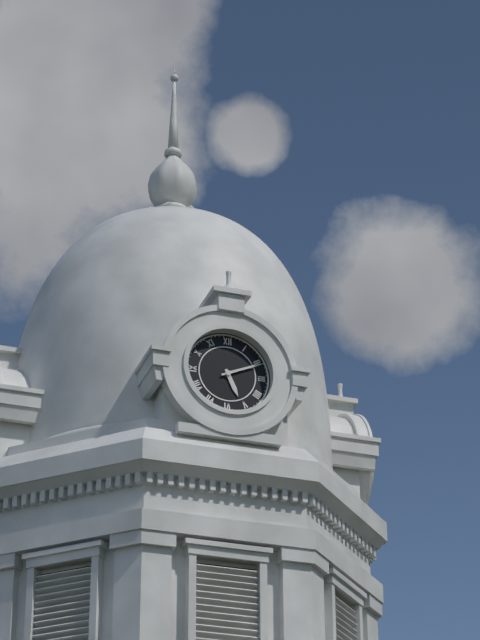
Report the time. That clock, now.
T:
5:11
